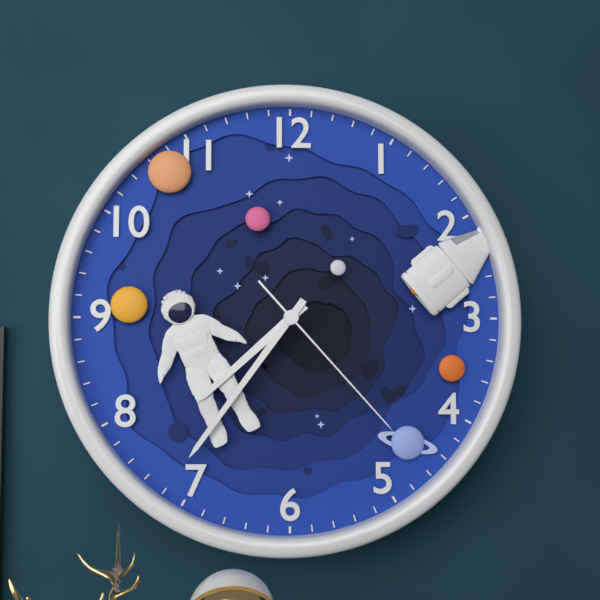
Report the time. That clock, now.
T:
7:36:23
